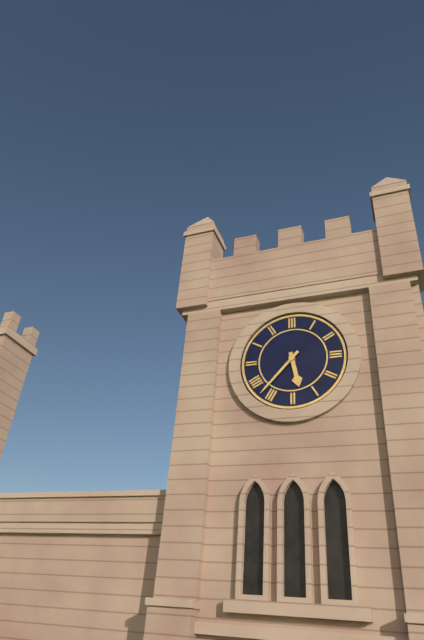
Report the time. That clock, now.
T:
5:37
